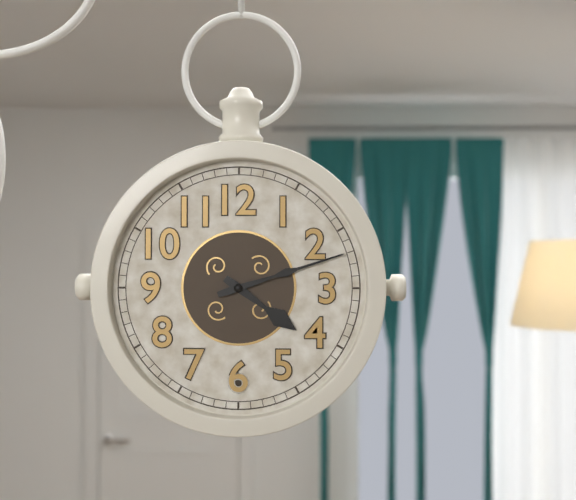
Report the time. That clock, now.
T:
4:12
